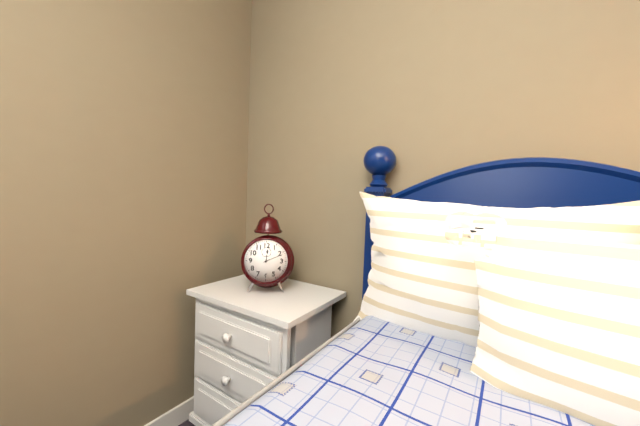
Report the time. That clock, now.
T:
12:11
